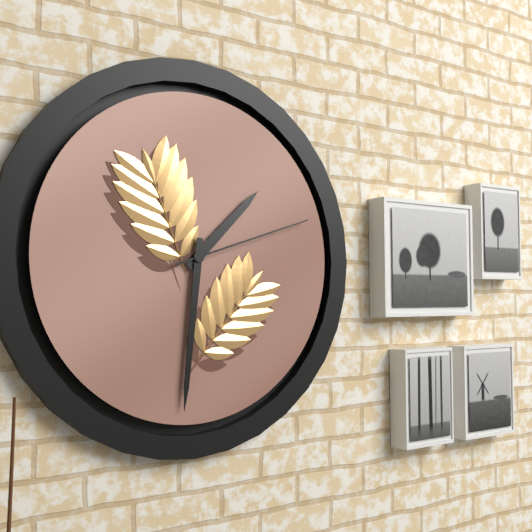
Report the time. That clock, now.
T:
1:31:12
